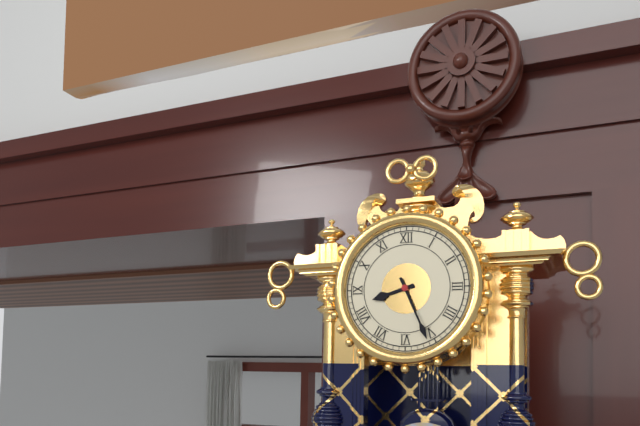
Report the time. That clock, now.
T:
8:26
